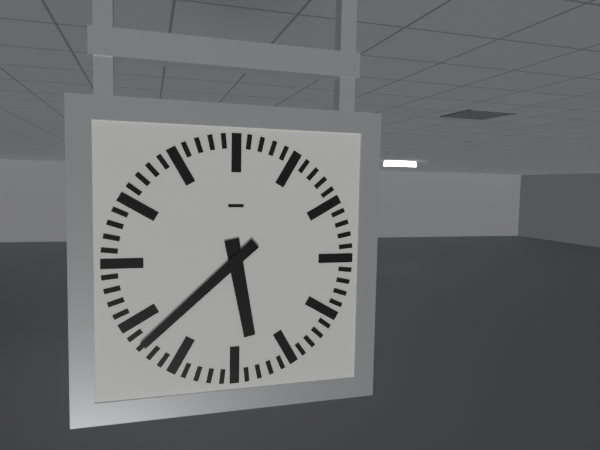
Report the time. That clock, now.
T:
5:38
